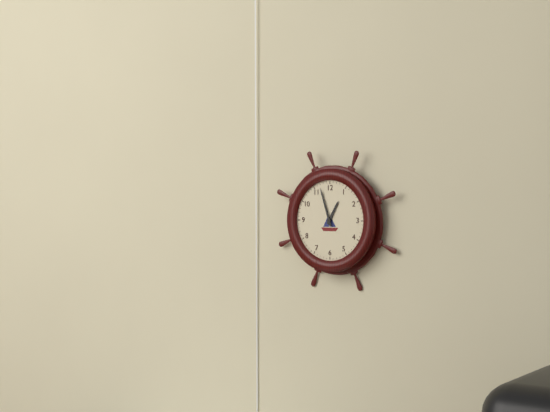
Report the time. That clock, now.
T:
12:57
